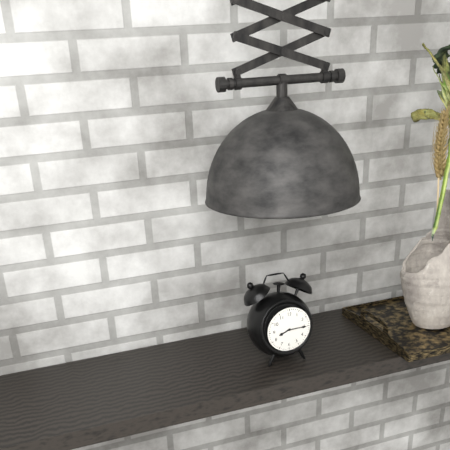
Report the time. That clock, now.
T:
8:15
